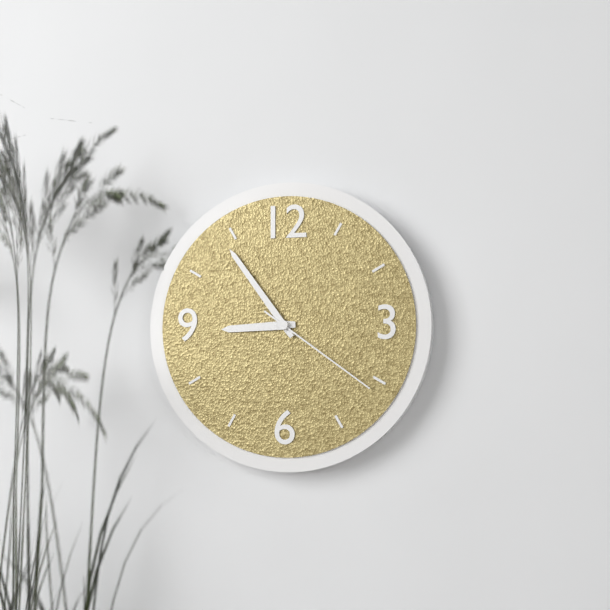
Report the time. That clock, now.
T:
8:54:21
